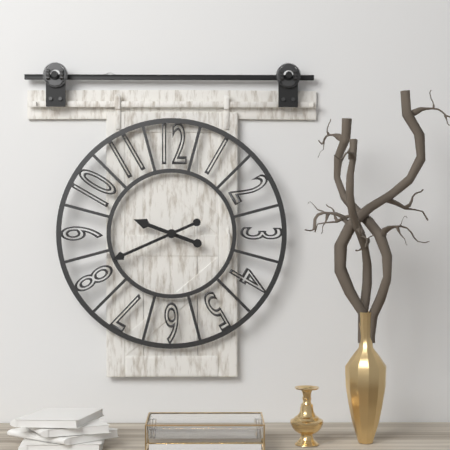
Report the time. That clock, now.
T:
9:41
